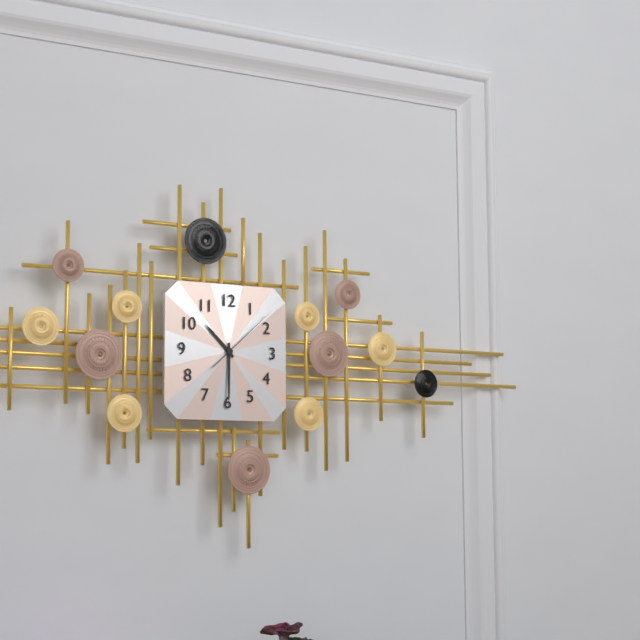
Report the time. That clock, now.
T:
10:30:08
